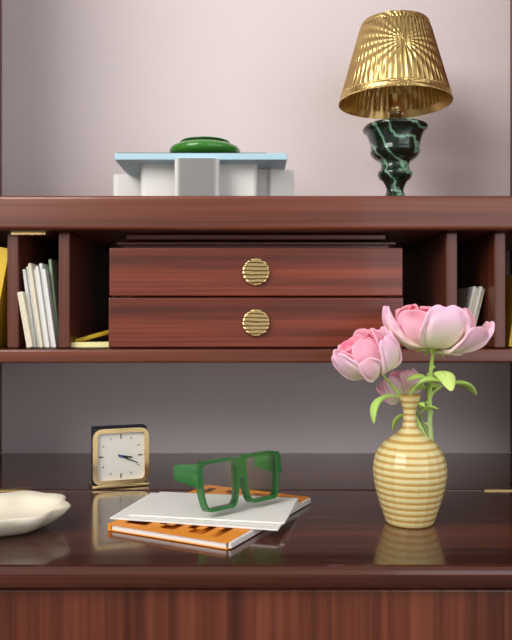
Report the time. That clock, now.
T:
3:19
